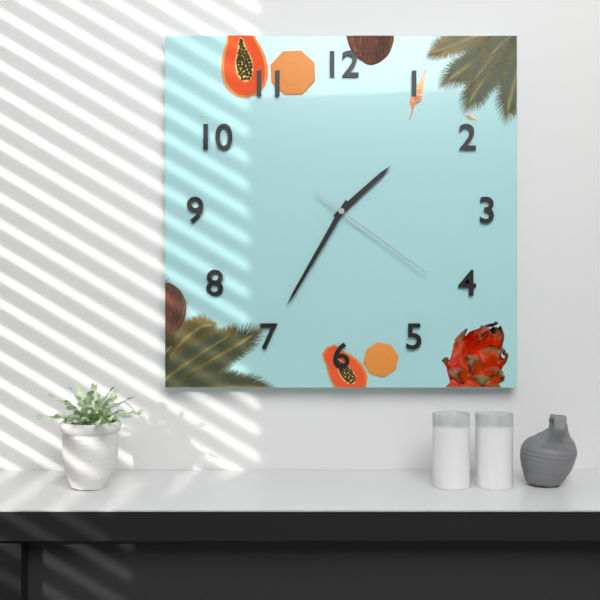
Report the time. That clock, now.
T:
1:35:21
